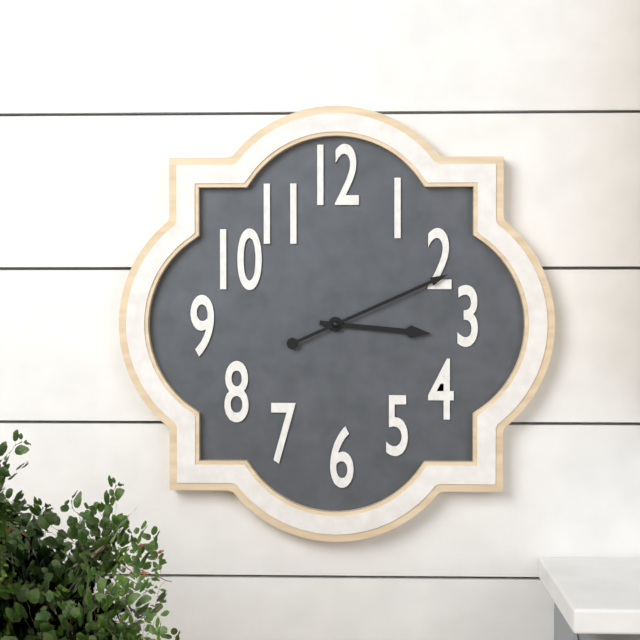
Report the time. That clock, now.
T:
3:11
